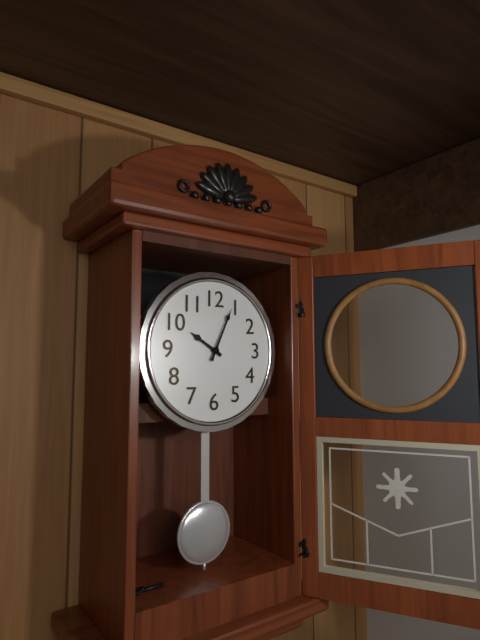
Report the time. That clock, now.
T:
10:04
